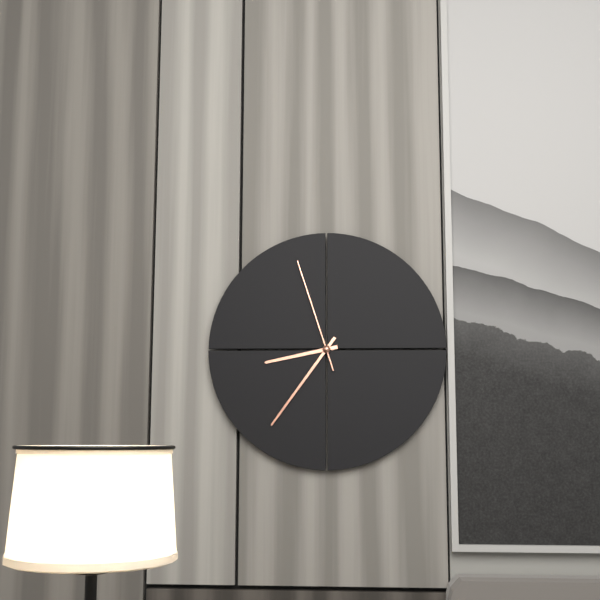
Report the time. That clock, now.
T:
8:36:57
